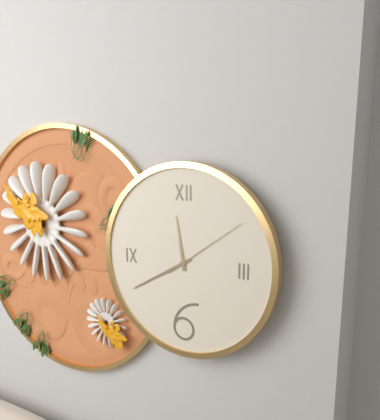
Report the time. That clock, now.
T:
11:40:09
